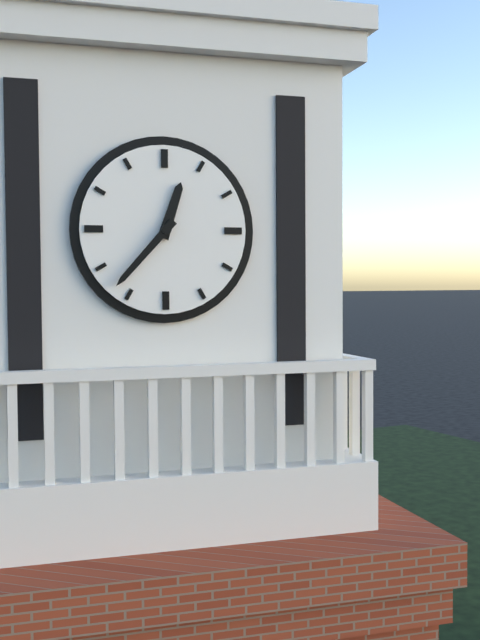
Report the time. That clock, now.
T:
12:37
